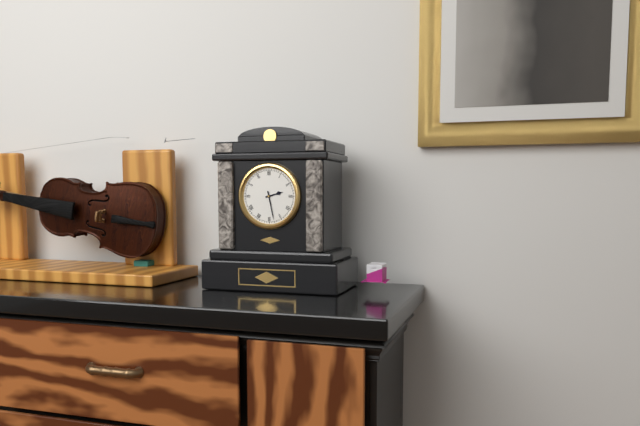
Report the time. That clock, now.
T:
2:28
